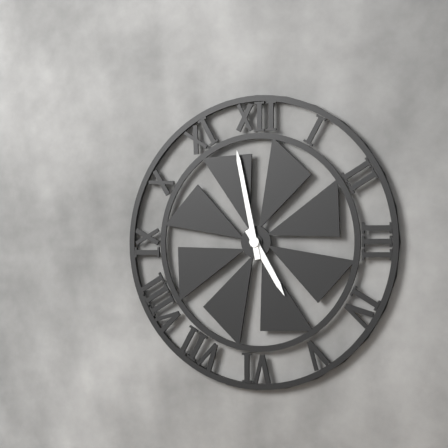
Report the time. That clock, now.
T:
4:58
